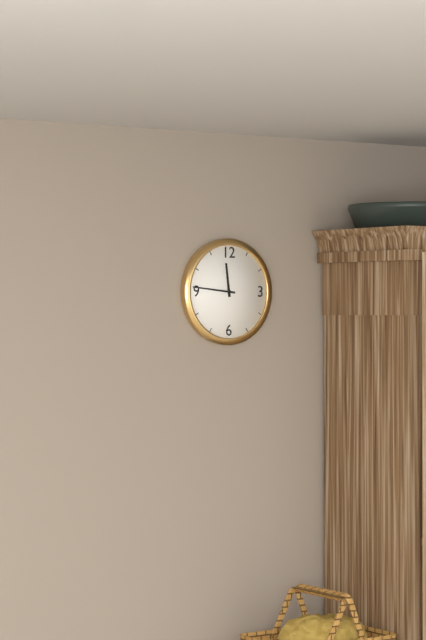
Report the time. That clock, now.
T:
11:46
